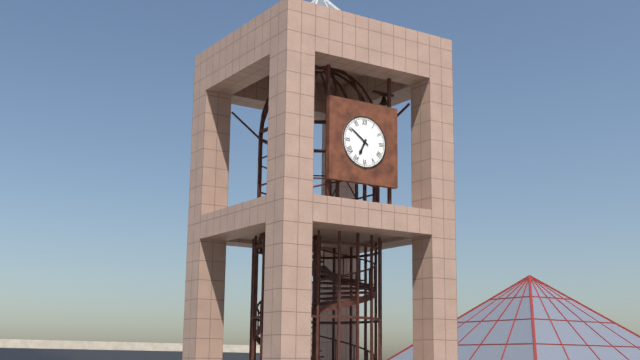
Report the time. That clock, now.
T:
6:51
